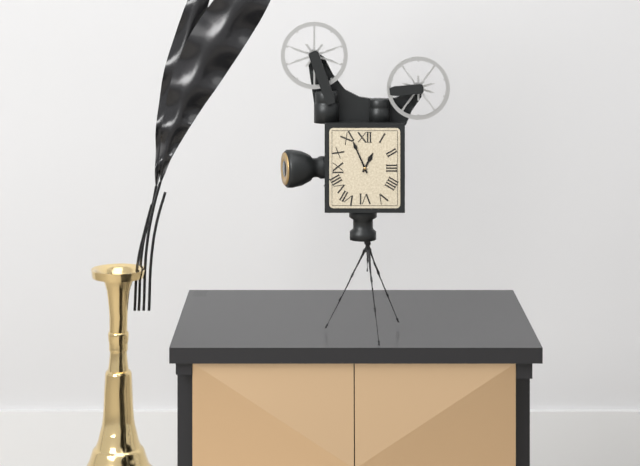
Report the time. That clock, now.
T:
12:56
